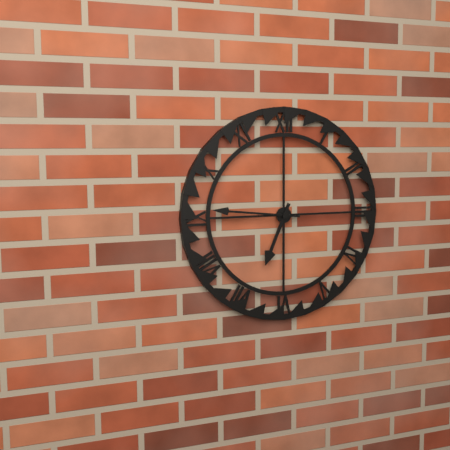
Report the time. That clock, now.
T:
6:46
